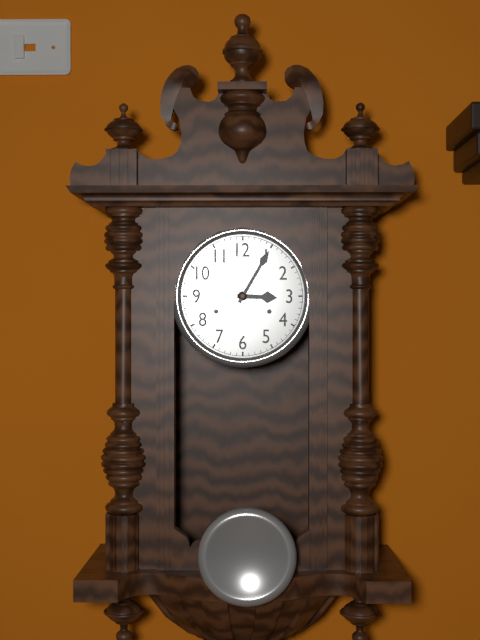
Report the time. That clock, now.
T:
3:05
